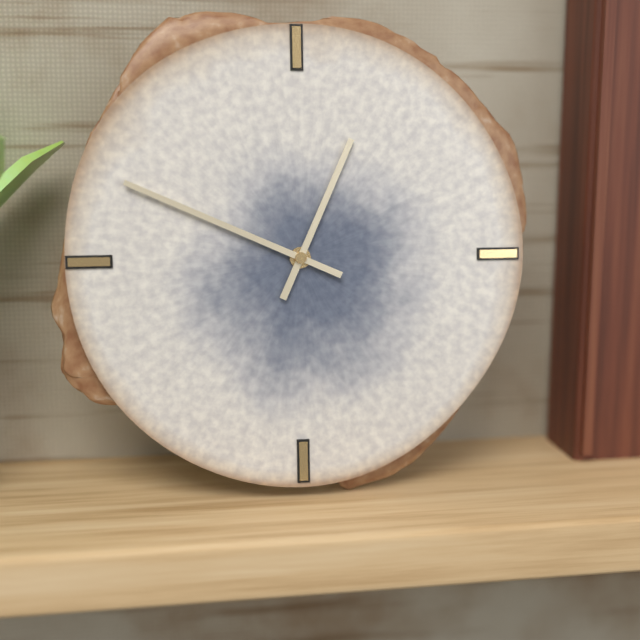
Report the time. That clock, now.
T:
12:49
